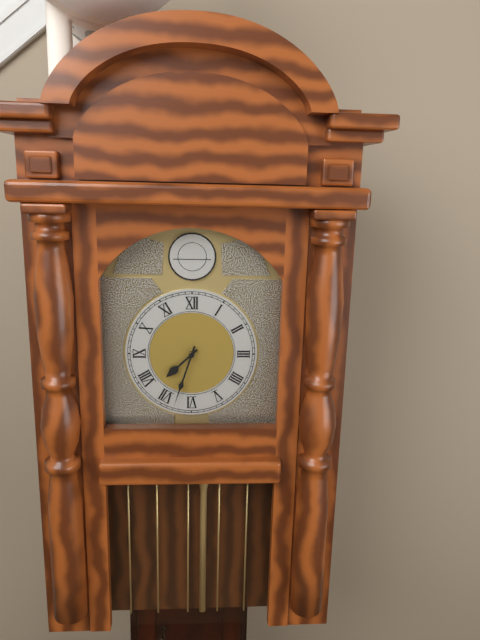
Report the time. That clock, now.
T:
7:33
